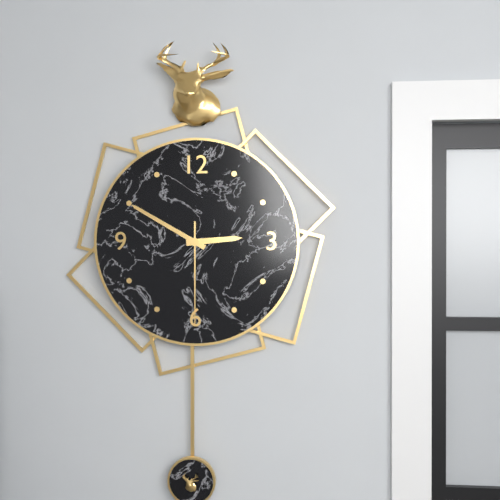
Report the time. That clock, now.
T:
2:50:30
